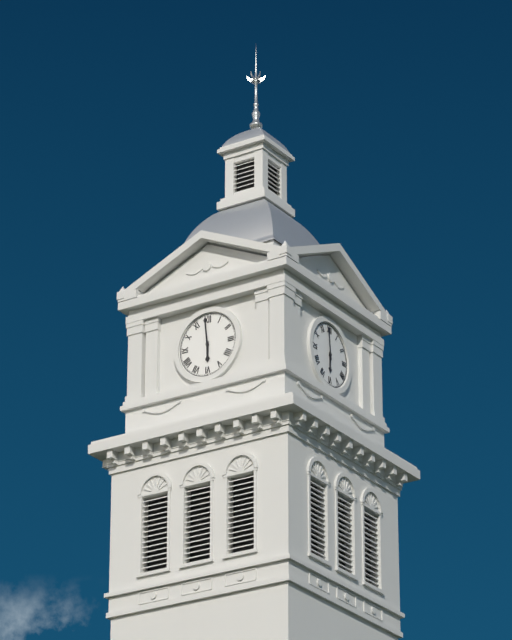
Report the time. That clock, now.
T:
5:59
